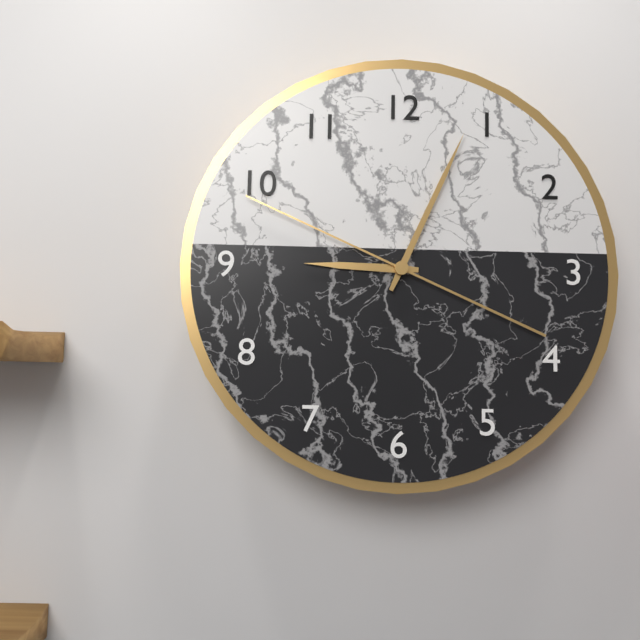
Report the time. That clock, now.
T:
9:04:49
